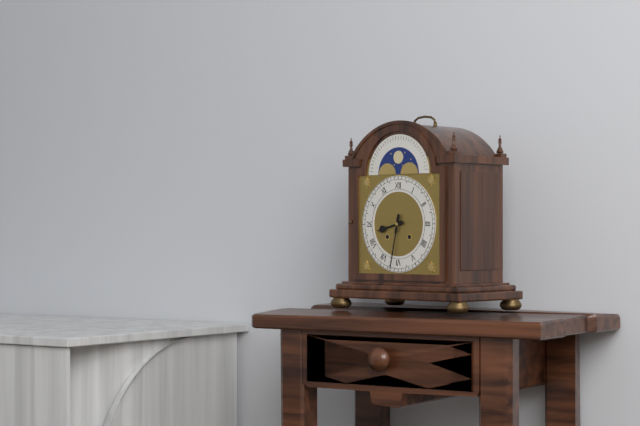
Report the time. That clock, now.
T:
8:32
